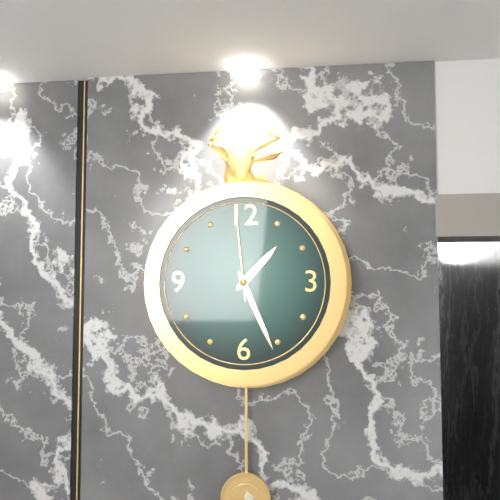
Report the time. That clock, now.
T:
1:26:59
